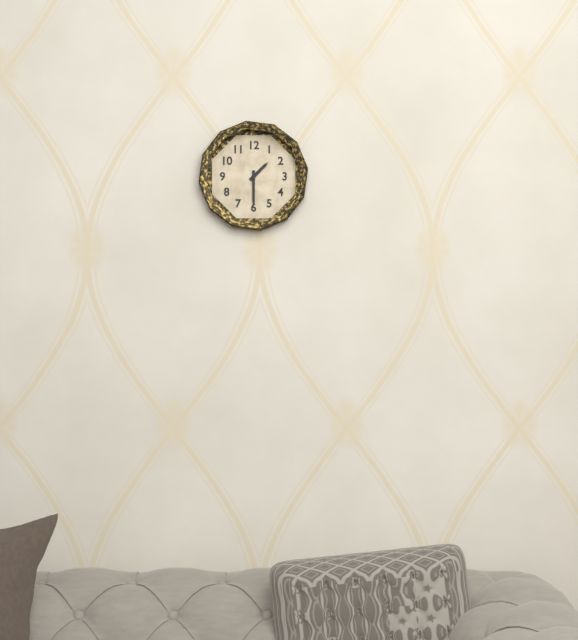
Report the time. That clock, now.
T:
1:30
